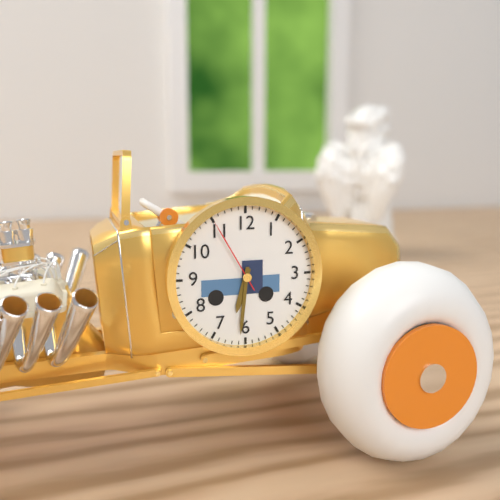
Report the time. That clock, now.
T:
6:31:55
